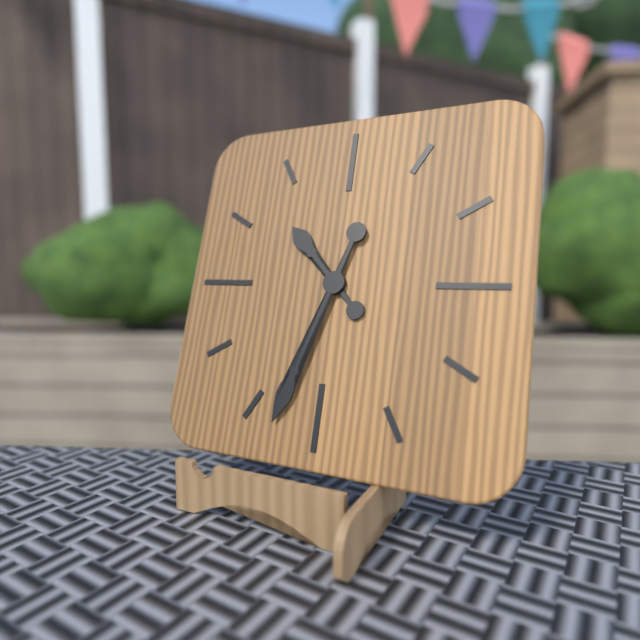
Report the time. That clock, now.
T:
10:33
